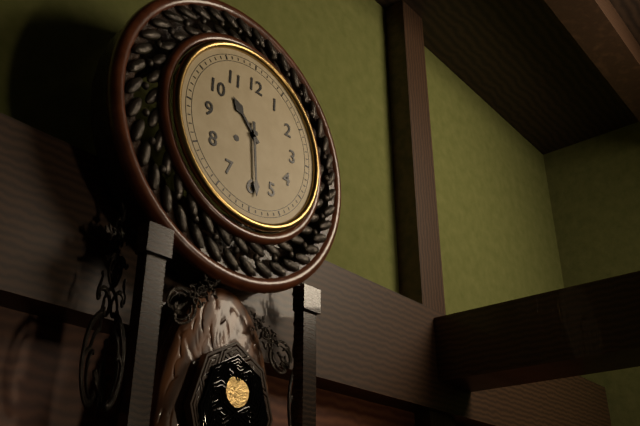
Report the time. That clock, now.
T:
10:29
